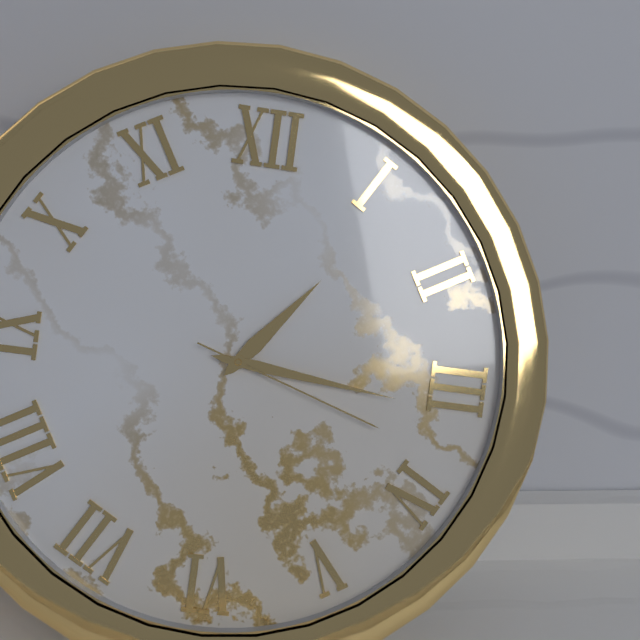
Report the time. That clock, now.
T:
1:16:18
